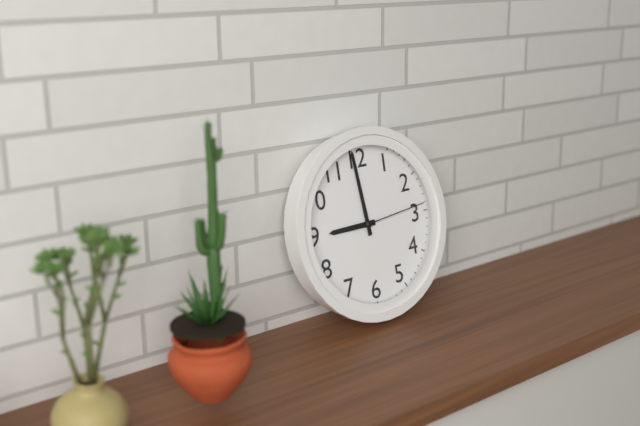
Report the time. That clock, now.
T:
8:59:14
